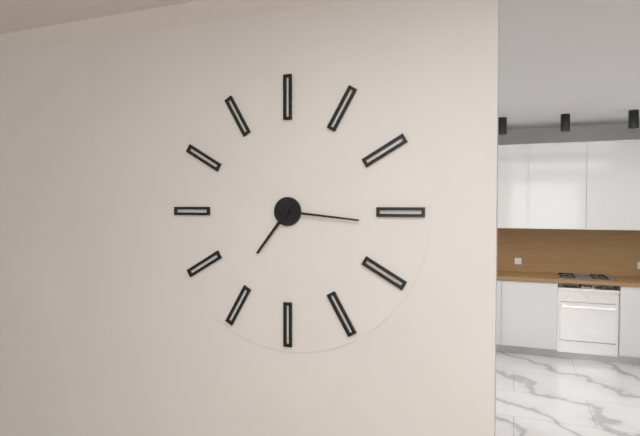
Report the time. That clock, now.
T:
7:16
